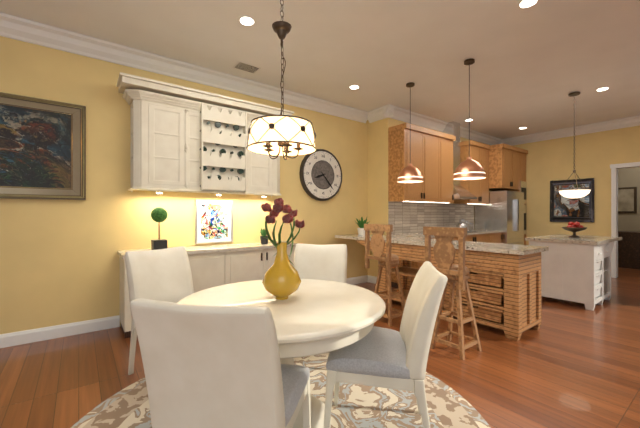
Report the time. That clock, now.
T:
8:23
